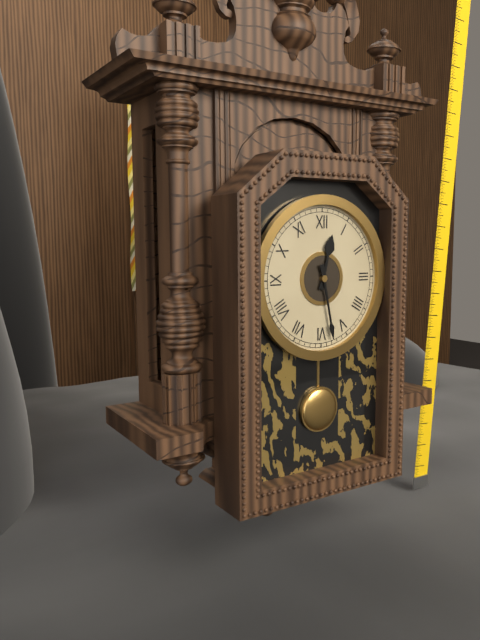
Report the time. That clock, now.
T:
12:28
